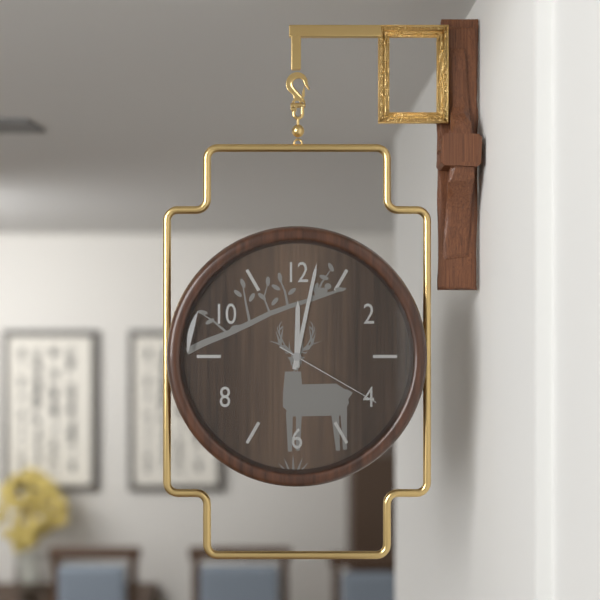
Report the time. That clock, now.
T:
12:02:20
